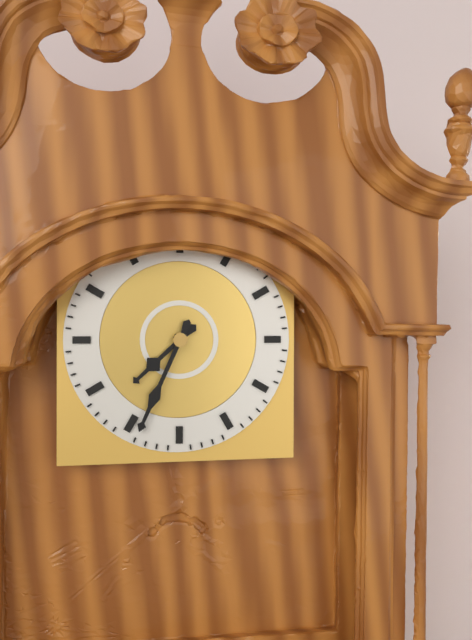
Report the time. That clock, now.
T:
7:34
